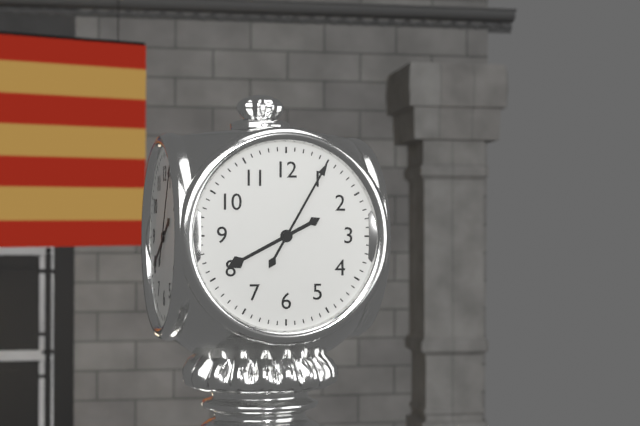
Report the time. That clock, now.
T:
8:05
